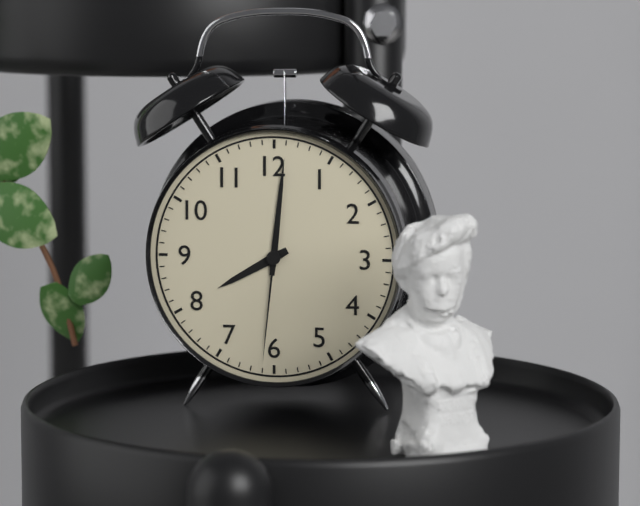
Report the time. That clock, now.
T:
8:01:31
